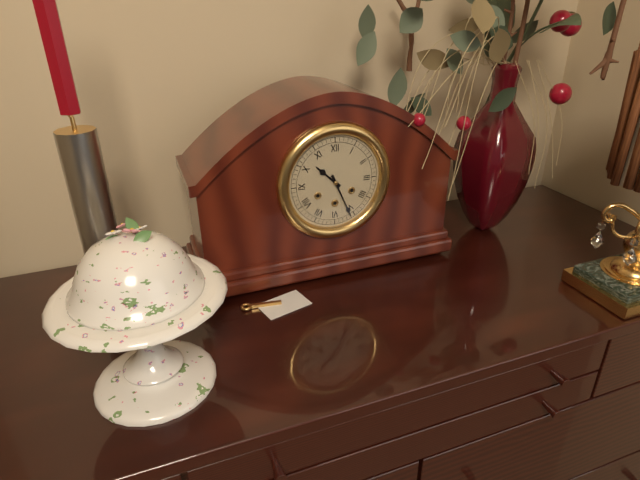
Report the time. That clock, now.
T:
10:26
